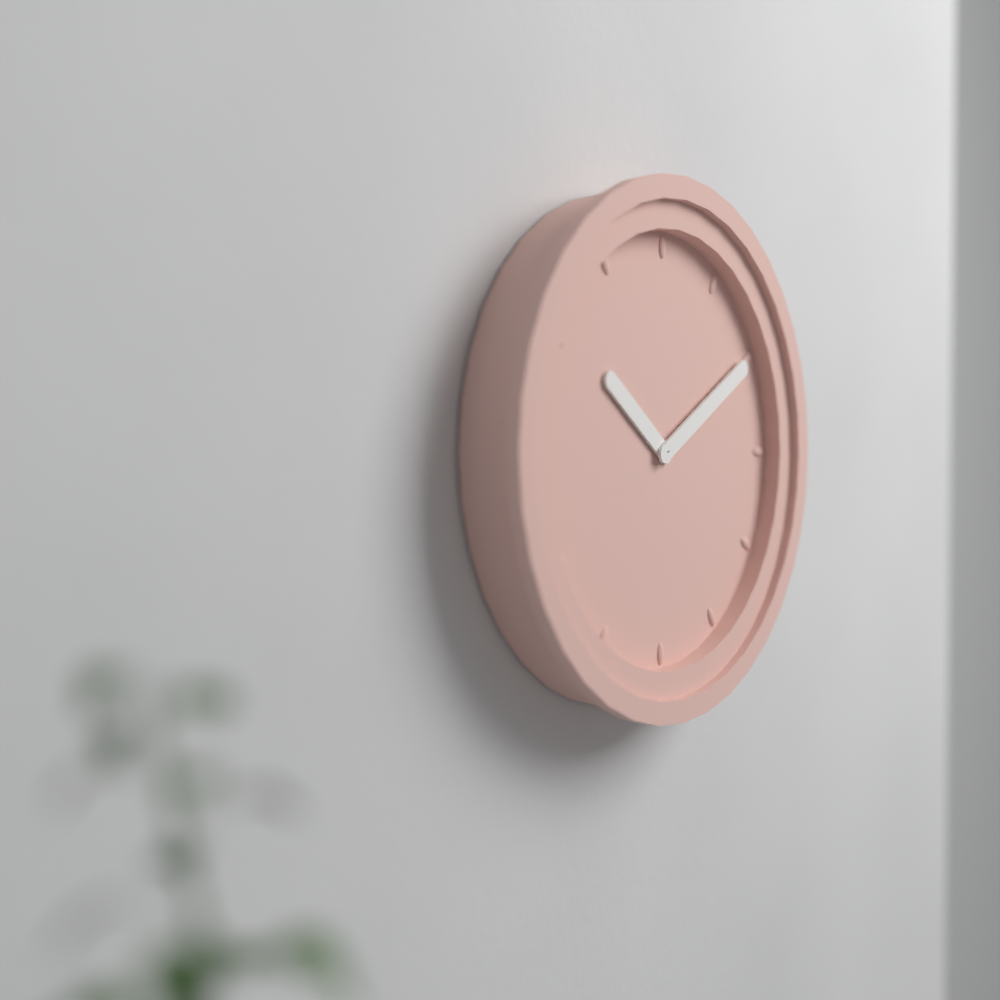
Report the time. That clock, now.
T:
10:10
